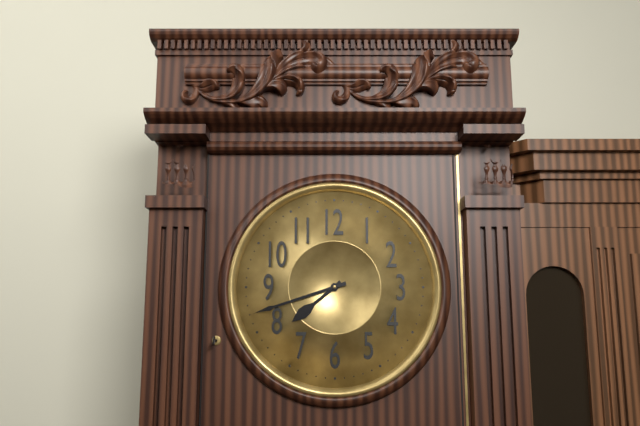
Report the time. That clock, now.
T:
7:42
